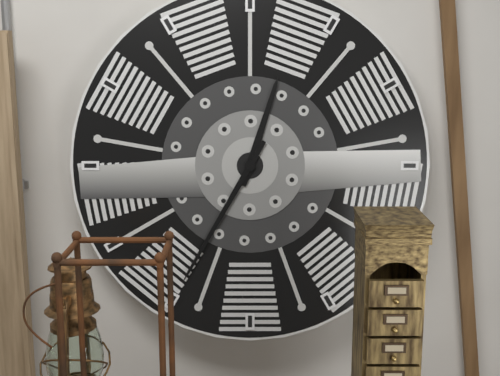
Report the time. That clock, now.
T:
12:35
